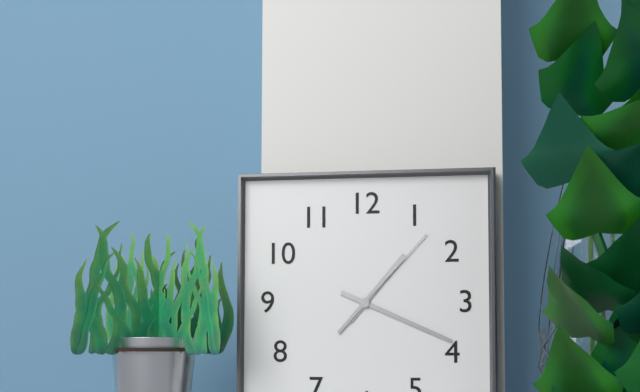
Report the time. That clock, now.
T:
1:19:07
